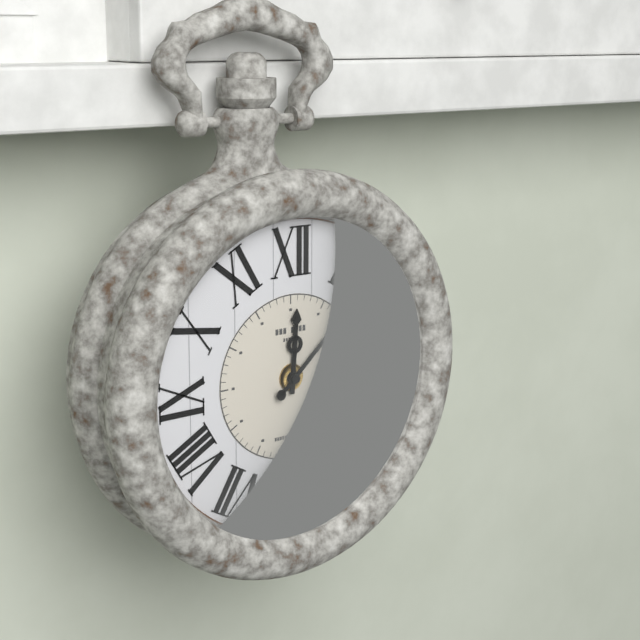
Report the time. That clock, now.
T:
12:08
